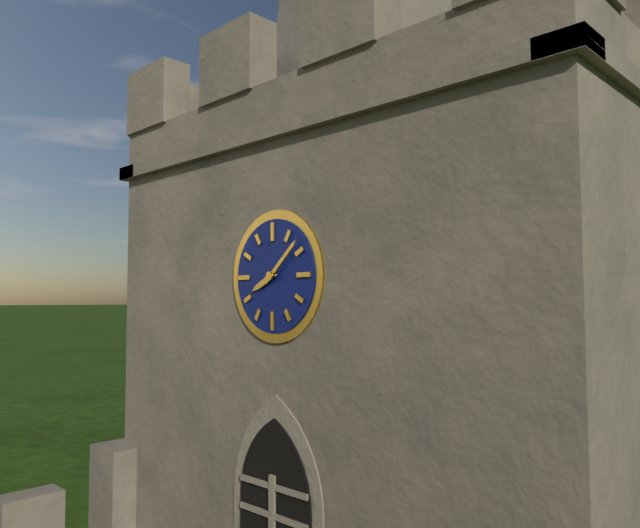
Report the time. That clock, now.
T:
8:08
